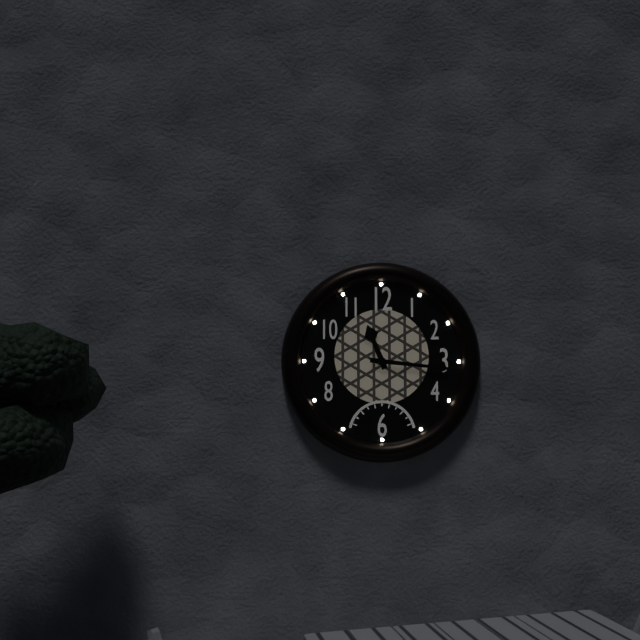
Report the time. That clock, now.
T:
11:16
